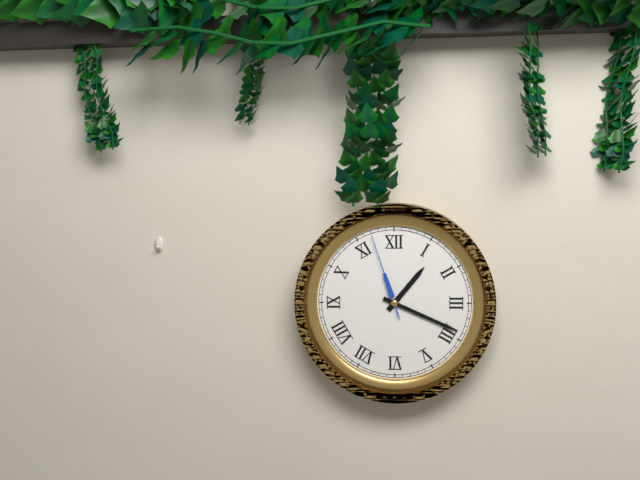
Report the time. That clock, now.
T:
1:19:57
